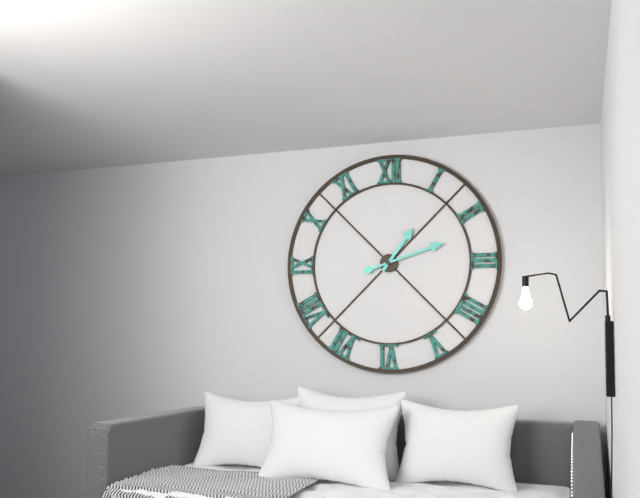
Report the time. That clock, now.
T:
1:12
